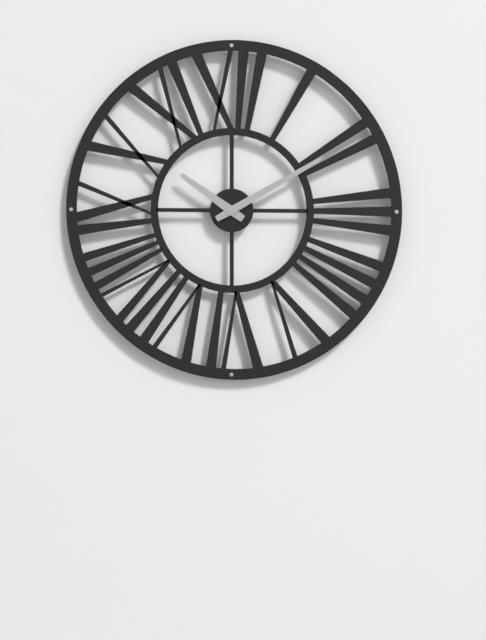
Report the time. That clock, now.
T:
10:10
